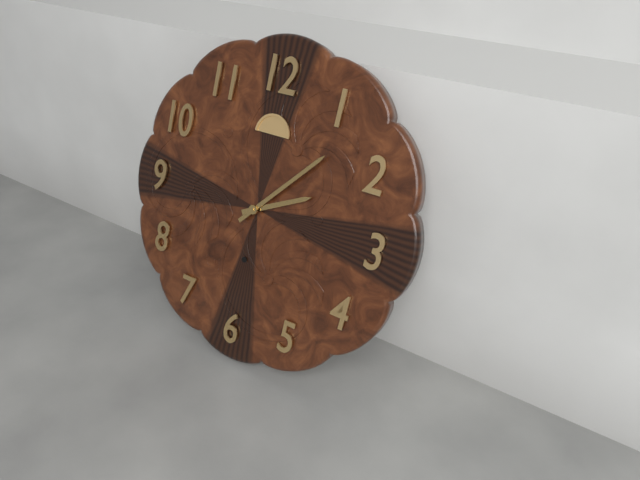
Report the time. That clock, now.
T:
2:07
